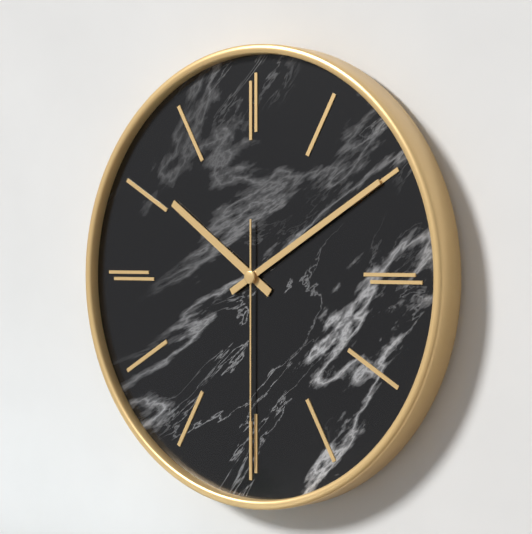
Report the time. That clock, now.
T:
10:10:30
